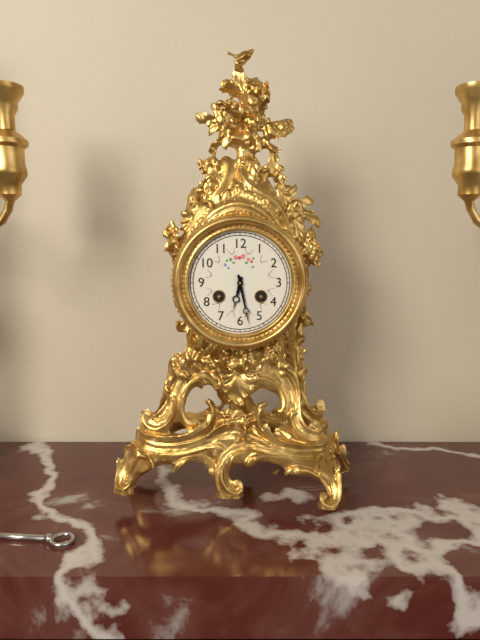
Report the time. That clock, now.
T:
6:28
